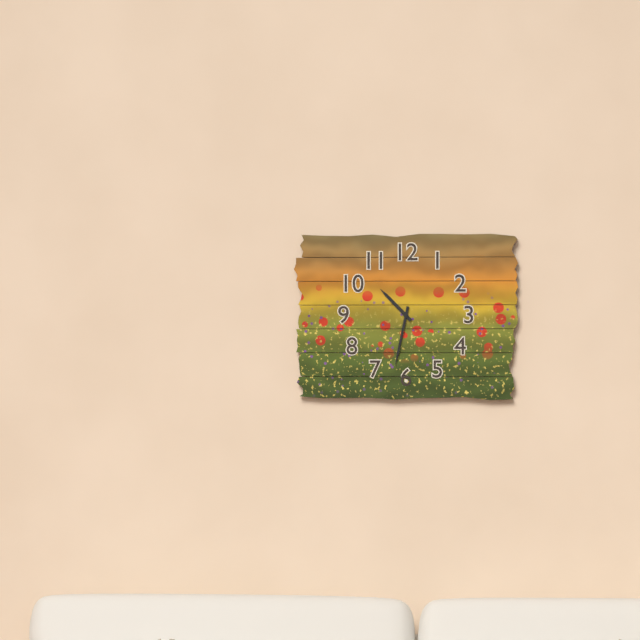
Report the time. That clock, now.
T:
10:32
